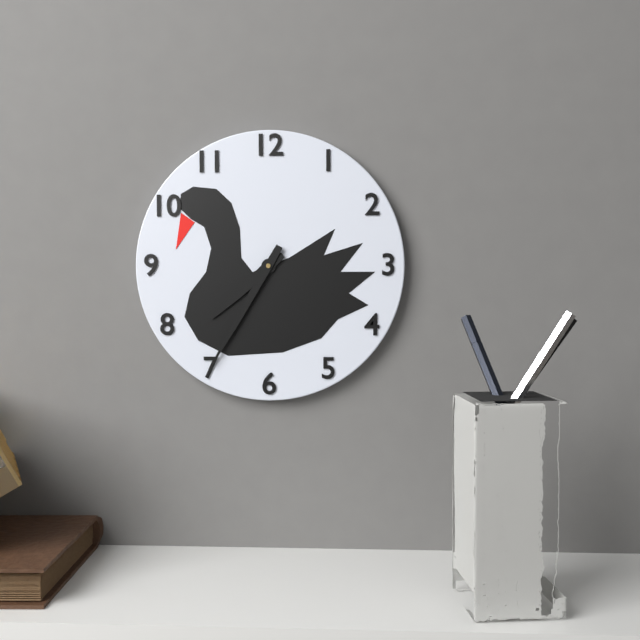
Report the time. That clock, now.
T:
7:35
